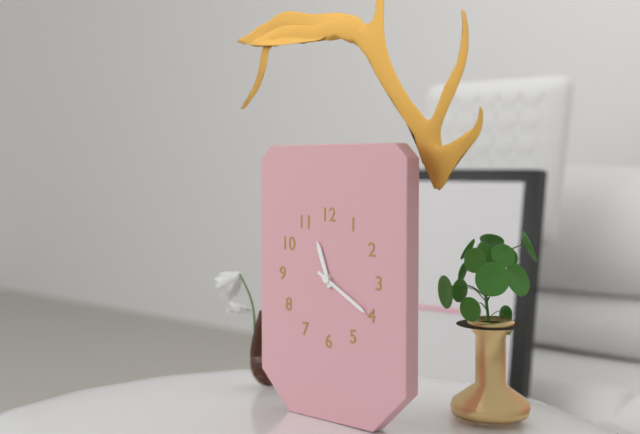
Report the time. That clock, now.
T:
11:20
